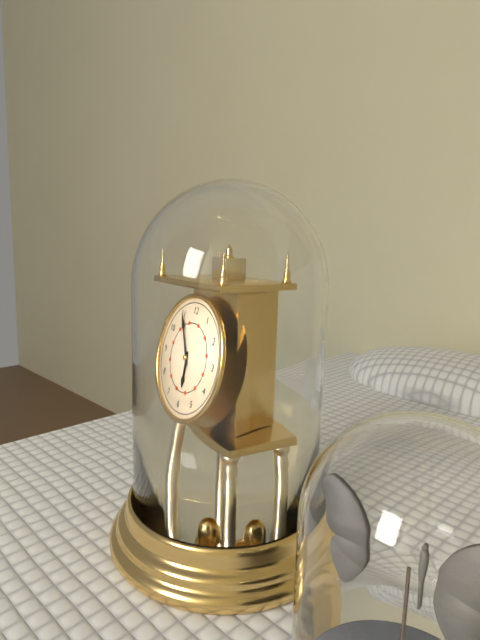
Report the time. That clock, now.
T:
5:55
